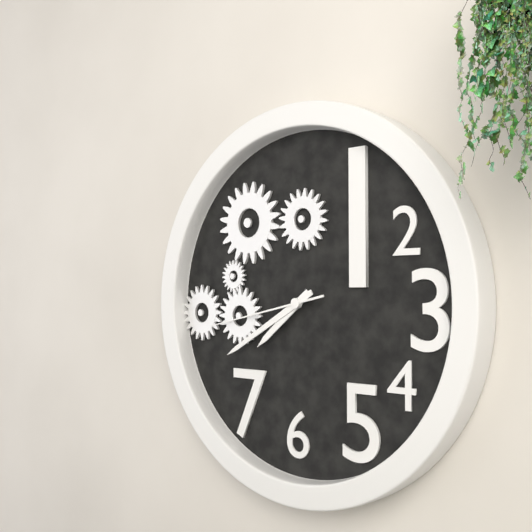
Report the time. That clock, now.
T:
7:40:43
